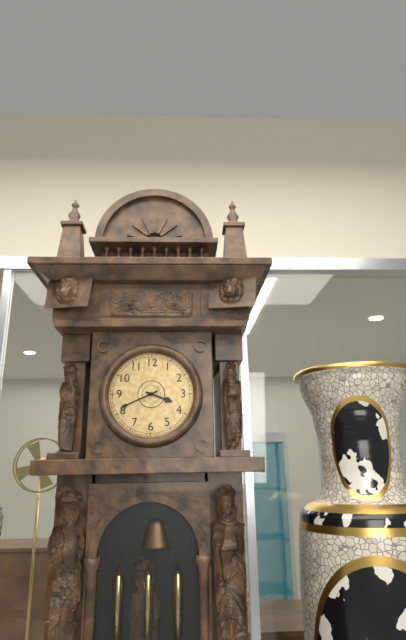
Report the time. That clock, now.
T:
3:41
